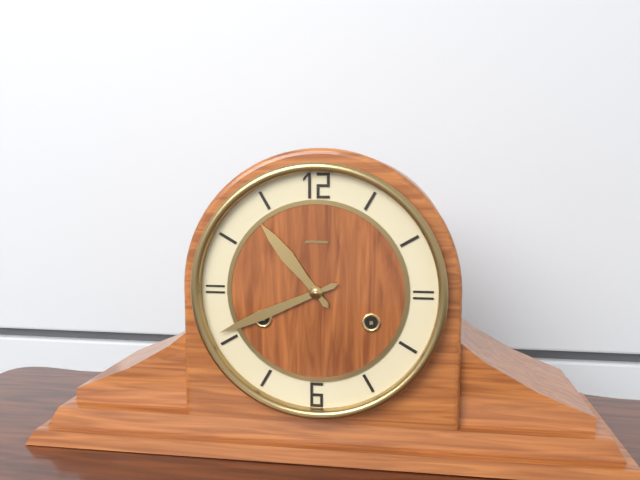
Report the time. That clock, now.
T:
10:41
